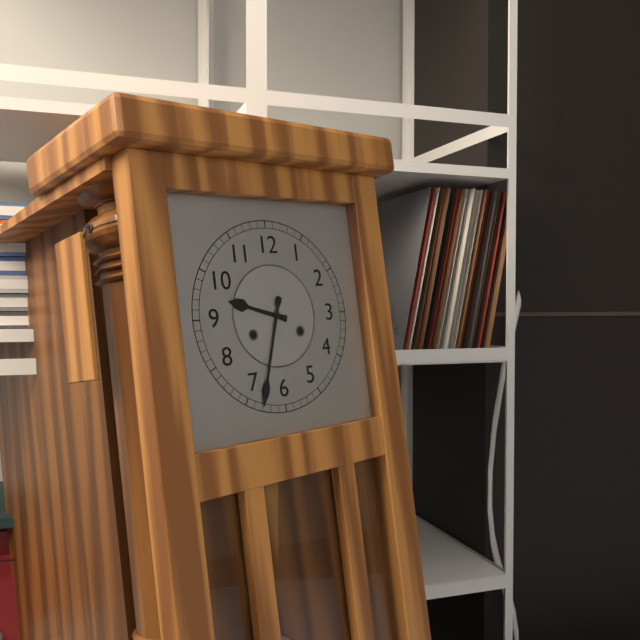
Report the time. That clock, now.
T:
9:33
